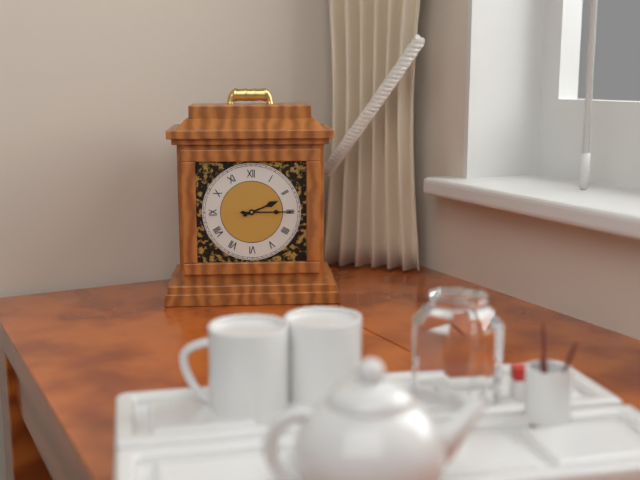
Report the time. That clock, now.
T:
2:15
